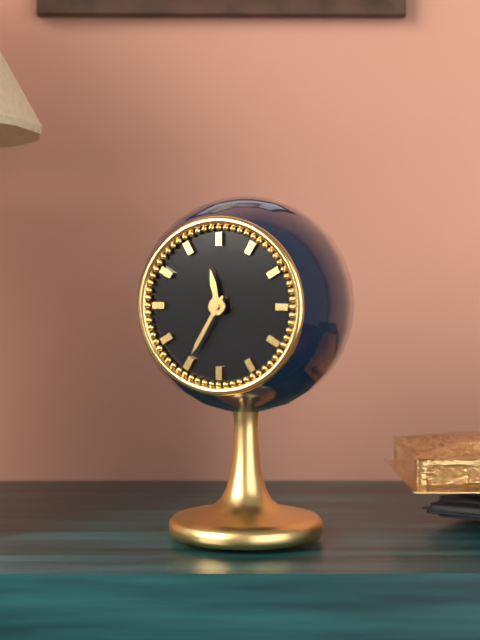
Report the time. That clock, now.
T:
11:35
